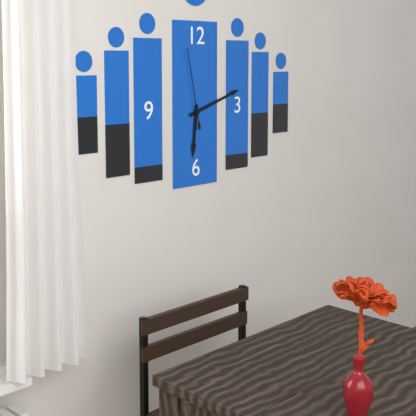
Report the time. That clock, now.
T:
6:12:58
